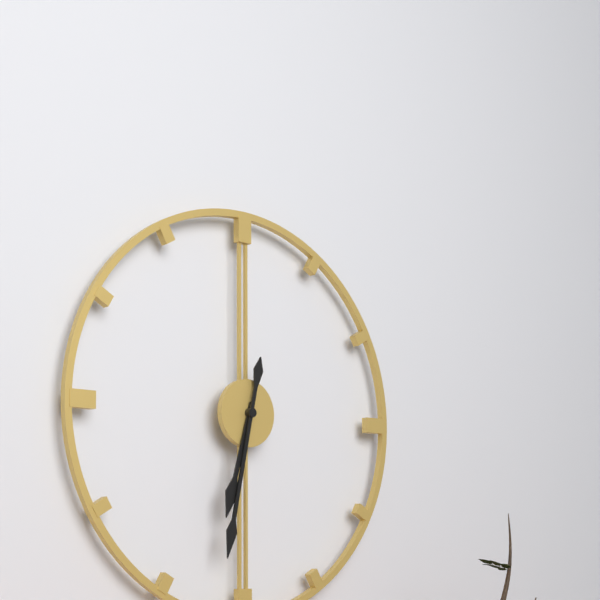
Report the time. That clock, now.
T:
6:32
